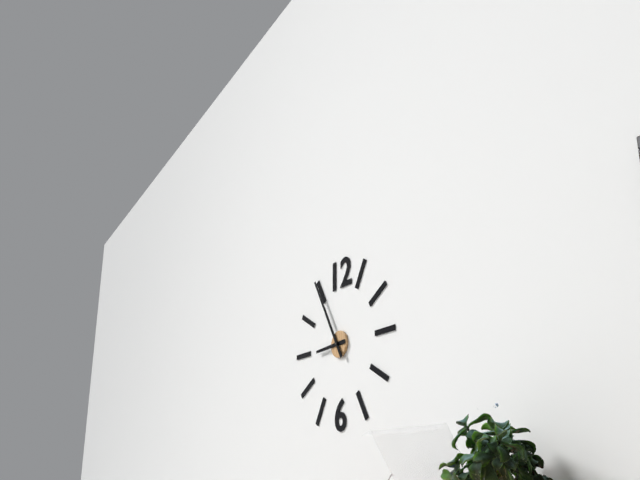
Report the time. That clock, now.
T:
8:55
